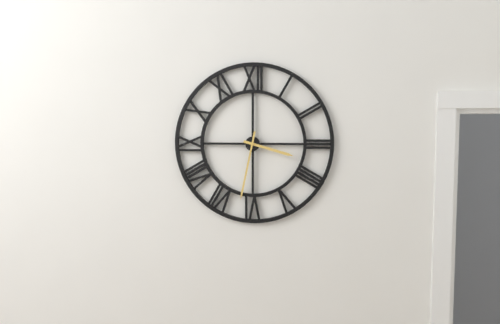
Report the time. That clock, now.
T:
3:32
